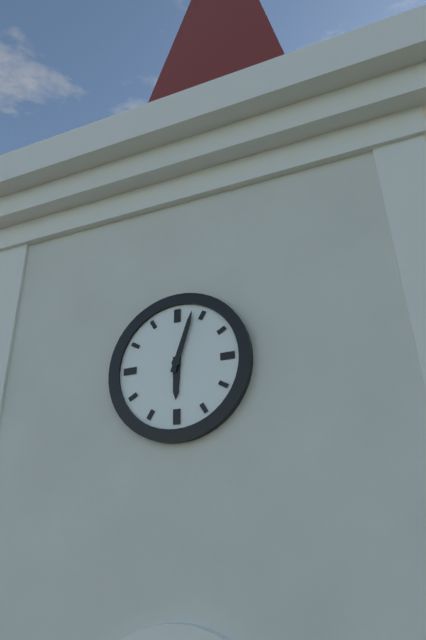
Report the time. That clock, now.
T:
6:03
